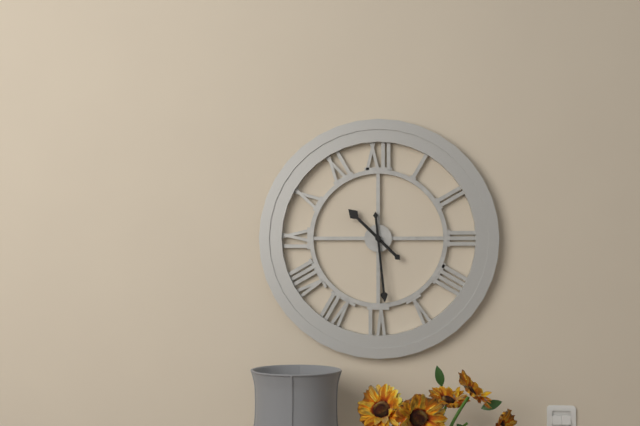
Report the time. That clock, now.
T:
10:29
